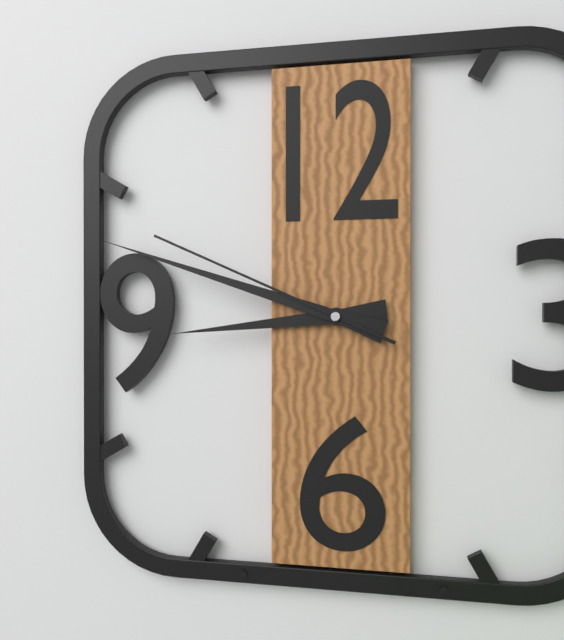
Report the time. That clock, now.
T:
8:48:49
